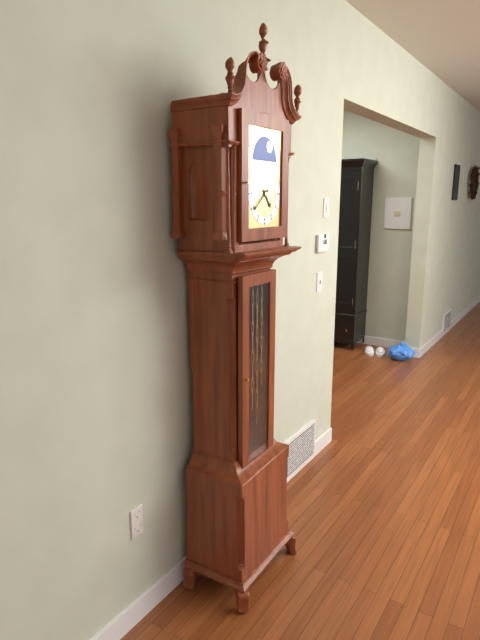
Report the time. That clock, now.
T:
4:39
